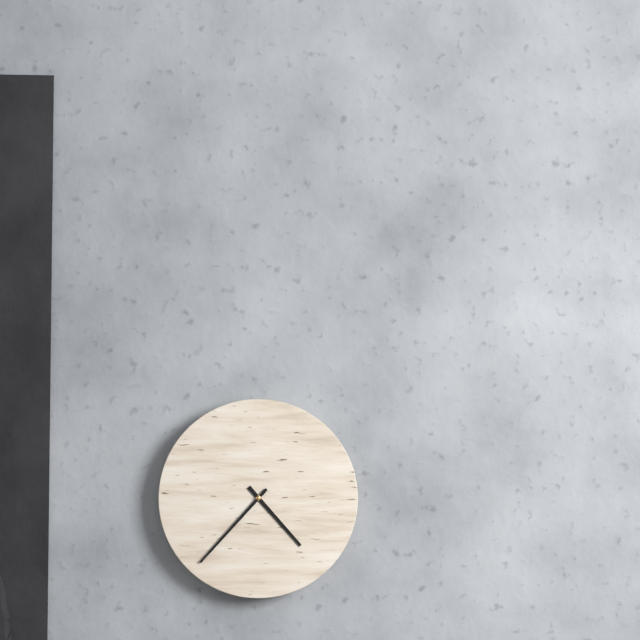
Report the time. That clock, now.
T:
4:37
